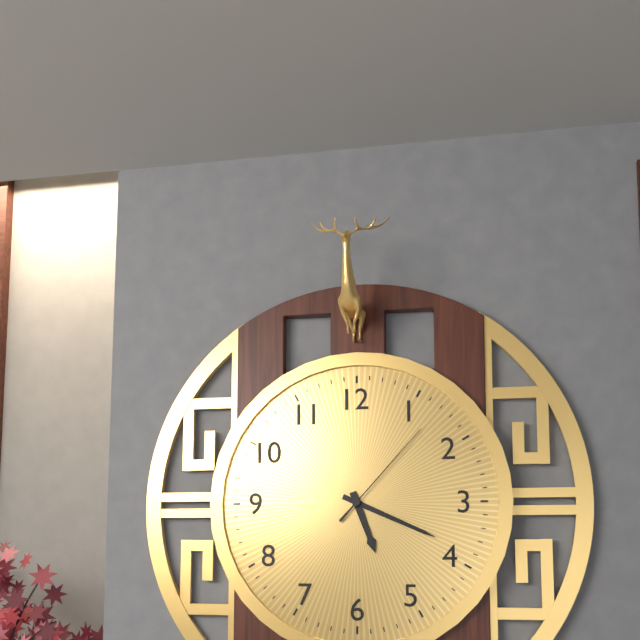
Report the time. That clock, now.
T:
5:19:07
